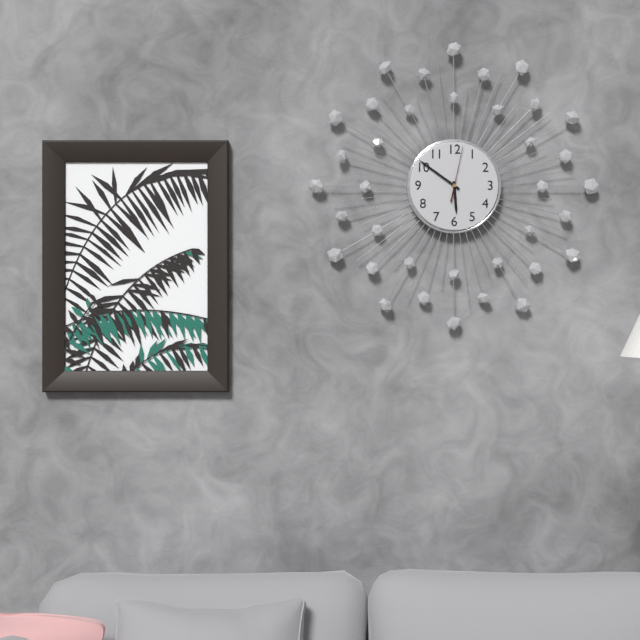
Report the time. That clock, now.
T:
5:51:02
